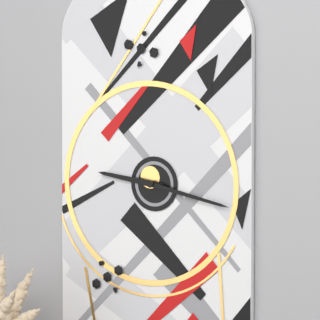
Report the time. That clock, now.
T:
9:17
